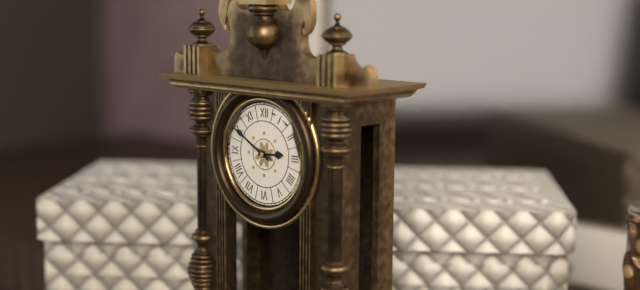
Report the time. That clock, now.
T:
2:50
